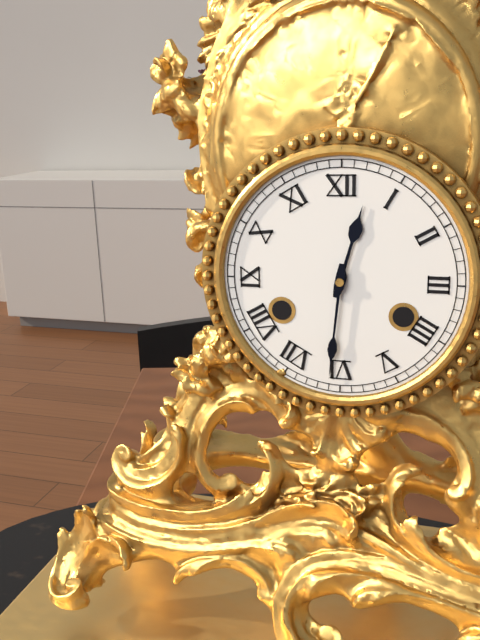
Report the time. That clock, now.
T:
12:31
